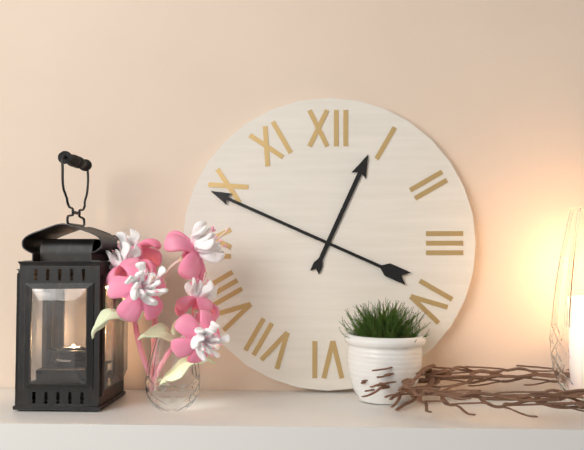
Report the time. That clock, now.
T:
12:49
